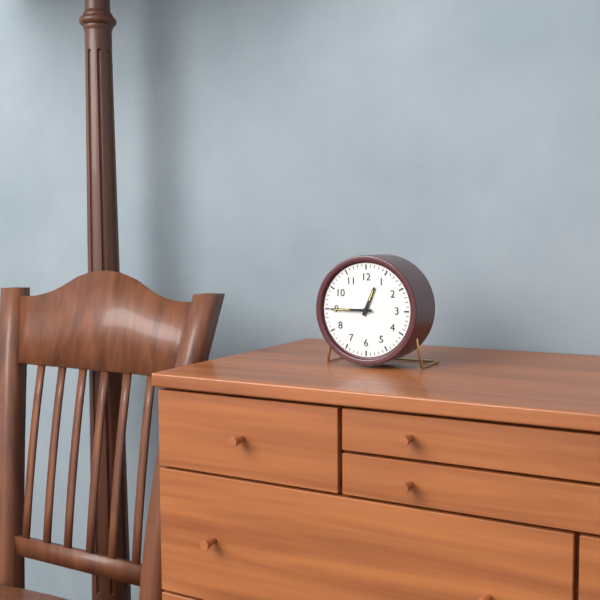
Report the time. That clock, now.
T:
12:45
